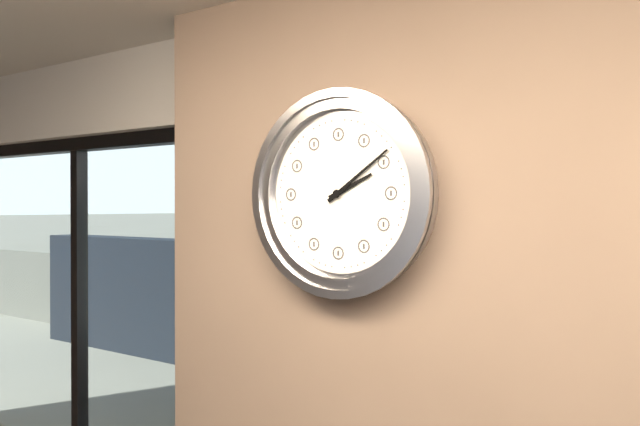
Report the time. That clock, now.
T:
2:09
